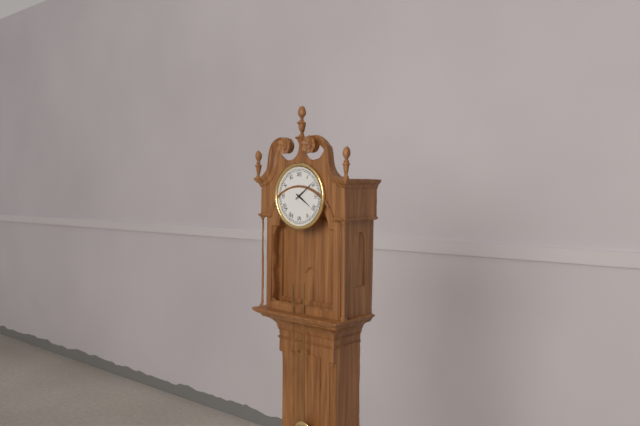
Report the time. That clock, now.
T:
4:09
